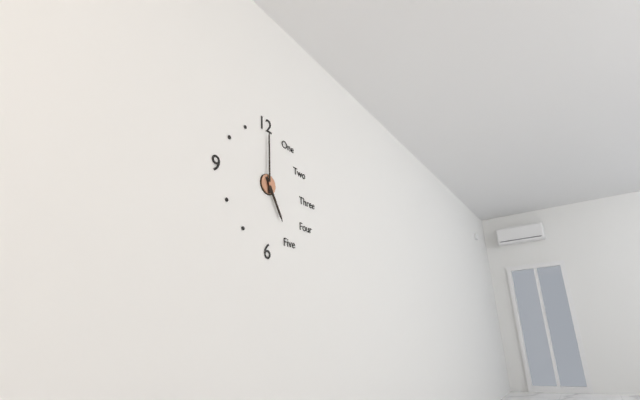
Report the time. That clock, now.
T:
5:00
